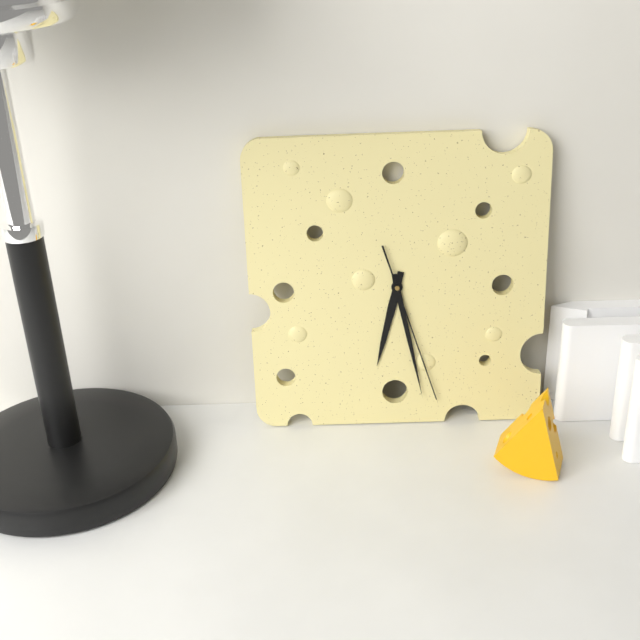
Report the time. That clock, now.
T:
6:28:27
